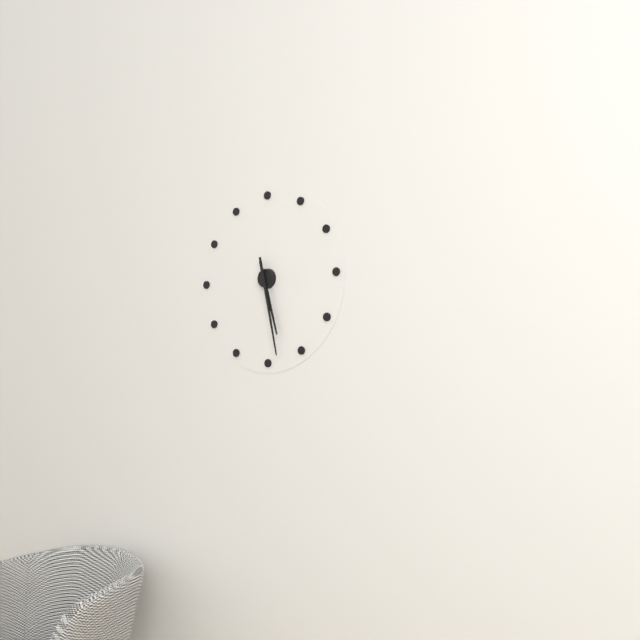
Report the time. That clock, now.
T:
5:28
